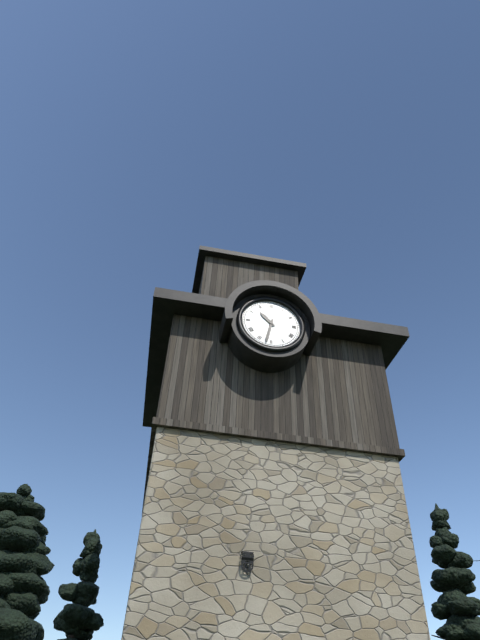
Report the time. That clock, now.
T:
10:32
